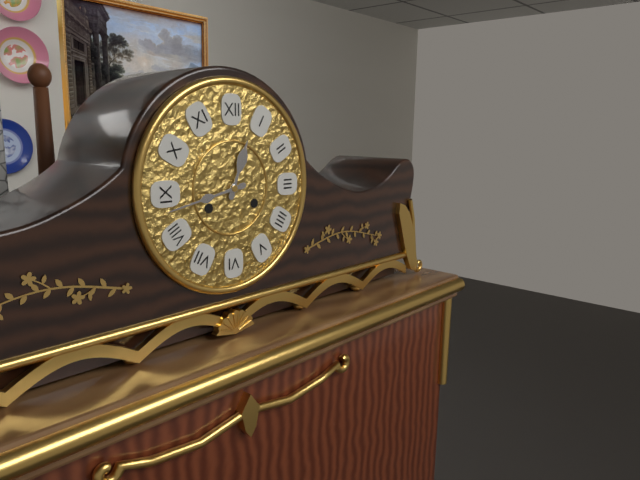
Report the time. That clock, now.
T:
12:43
